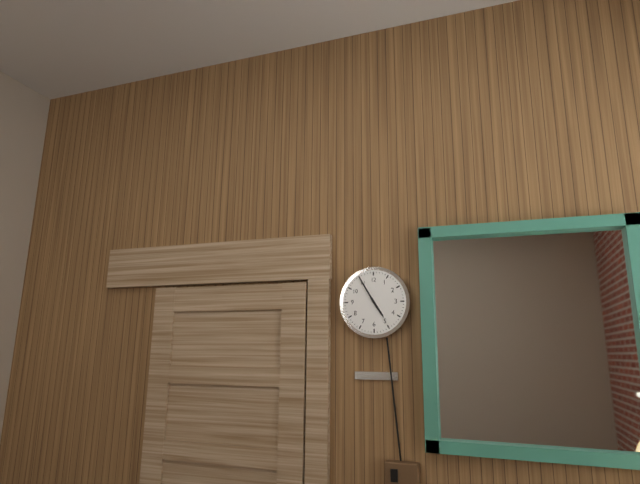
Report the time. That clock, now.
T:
4:55
